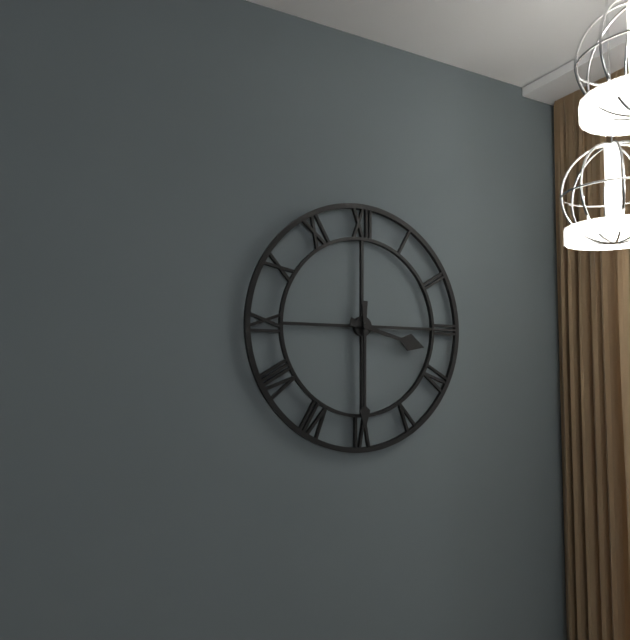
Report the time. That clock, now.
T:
3:30
